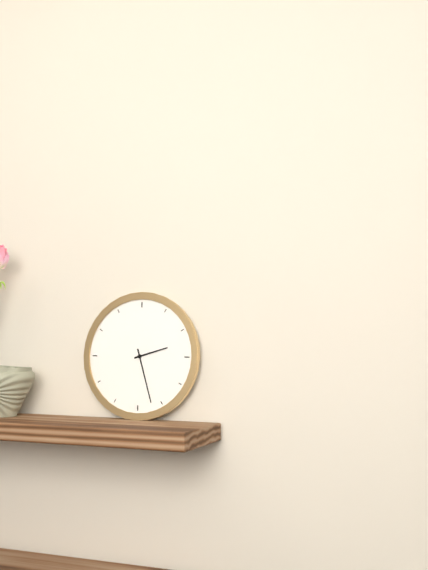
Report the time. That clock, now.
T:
2:27
